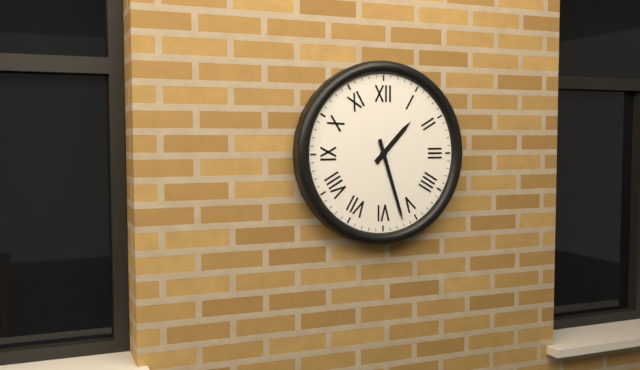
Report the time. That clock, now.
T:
1:27
